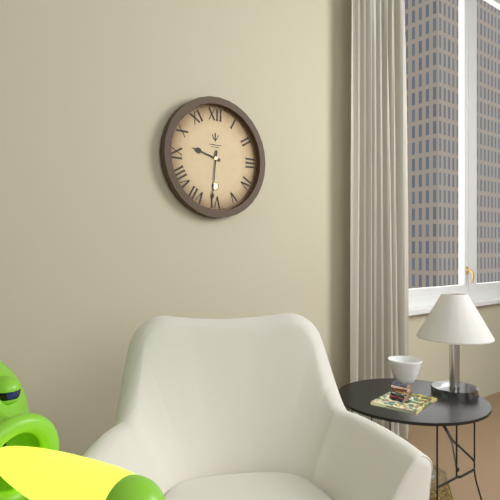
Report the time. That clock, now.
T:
9:31
